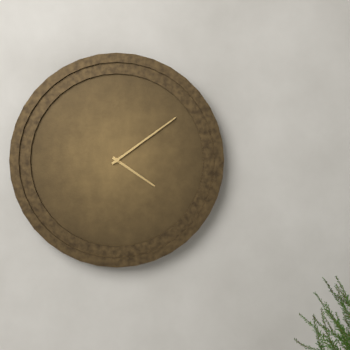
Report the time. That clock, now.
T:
4:09
